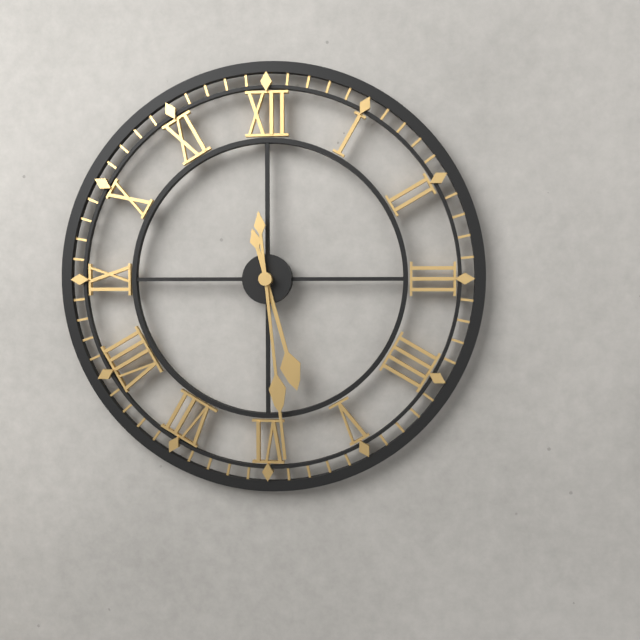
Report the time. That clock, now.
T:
5:29
